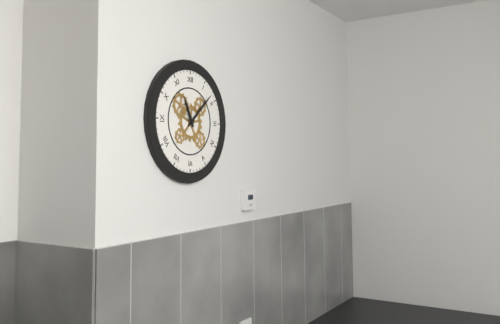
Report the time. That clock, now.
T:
11:08
